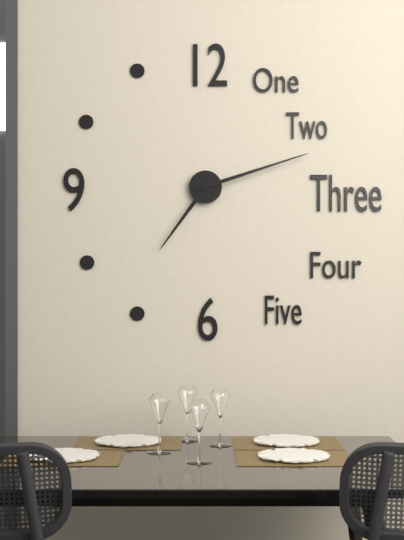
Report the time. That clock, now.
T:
7:12
